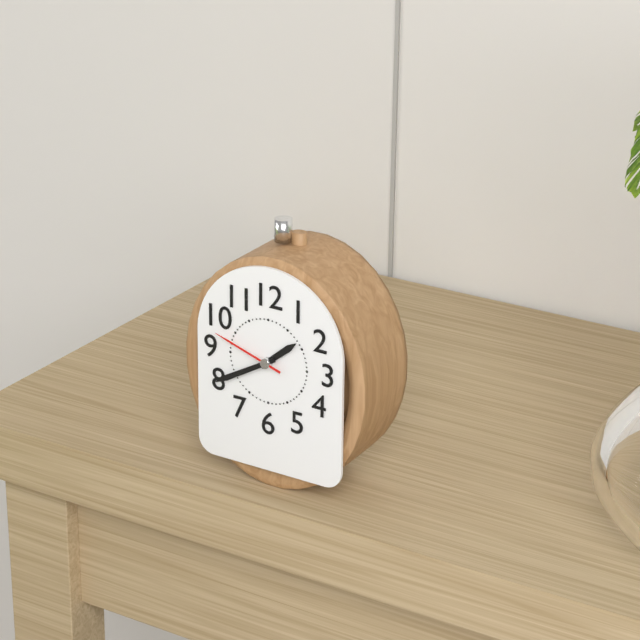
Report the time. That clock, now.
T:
1:40:48
